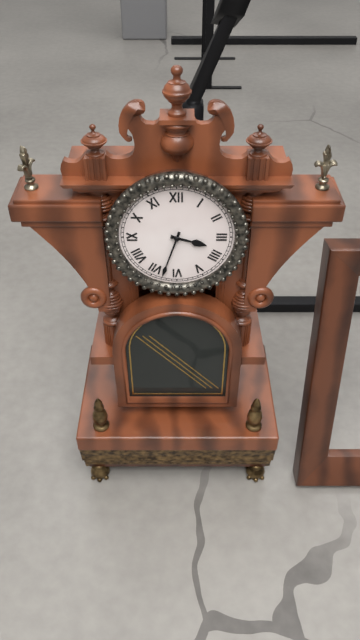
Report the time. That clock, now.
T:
3:33
